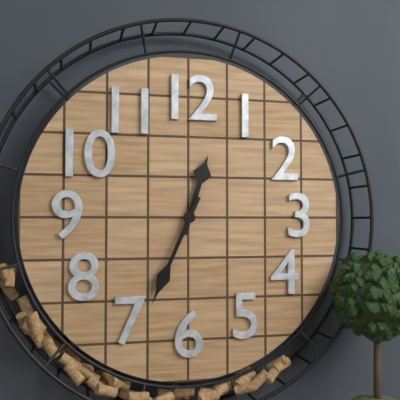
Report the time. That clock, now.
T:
12:34
